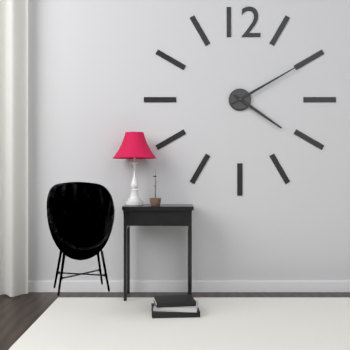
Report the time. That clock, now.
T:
4:10
